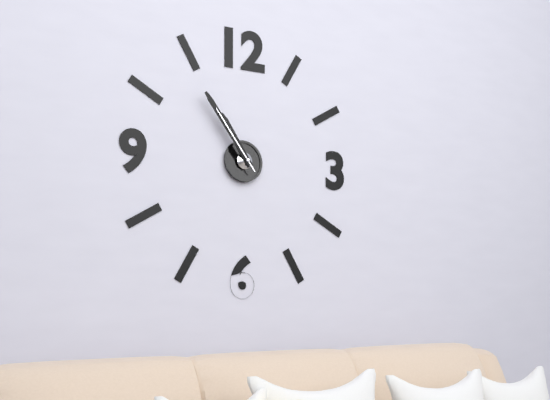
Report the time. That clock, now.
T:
10:54:54
